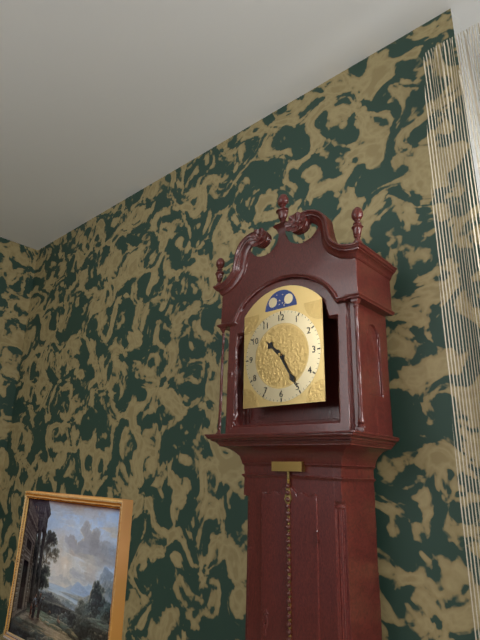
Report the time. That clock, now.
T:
10:25
